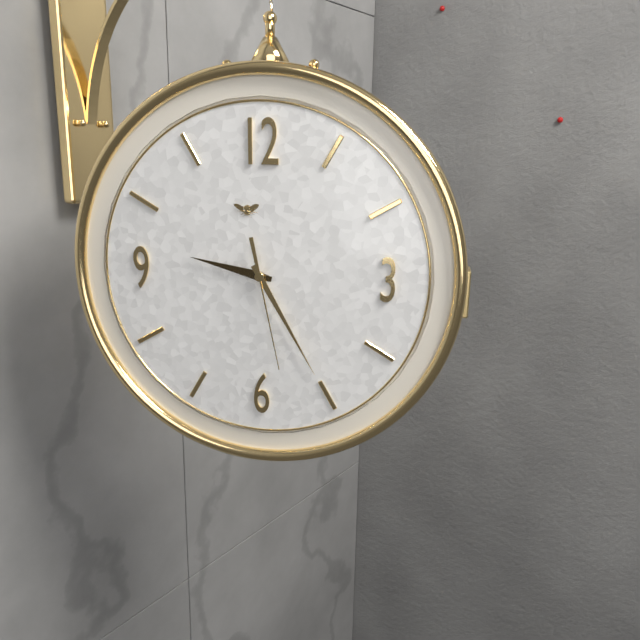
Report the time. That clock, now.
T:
9:25:28
